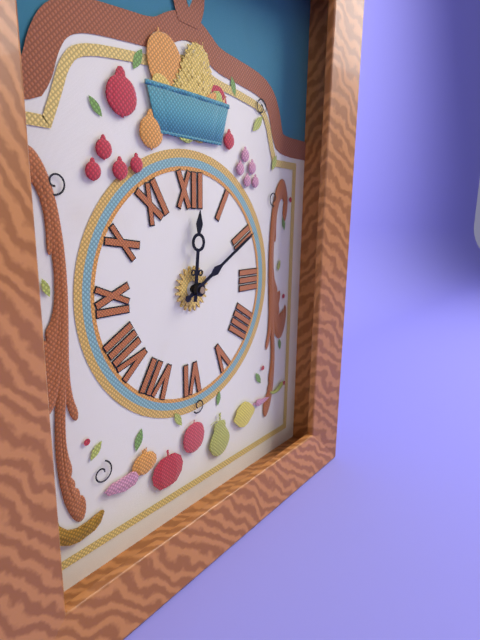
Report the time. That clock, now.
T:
12:10
